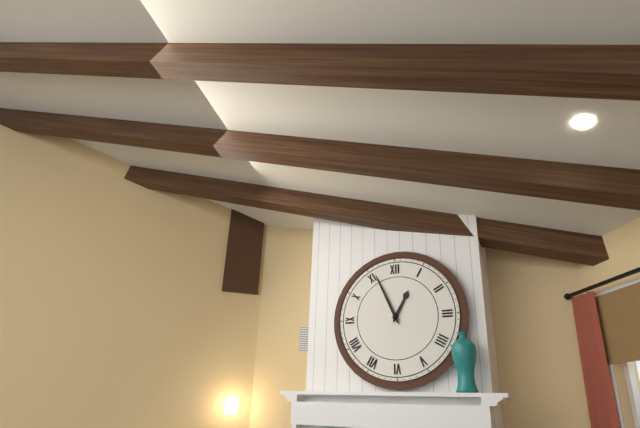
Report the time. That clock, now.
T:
12:56
